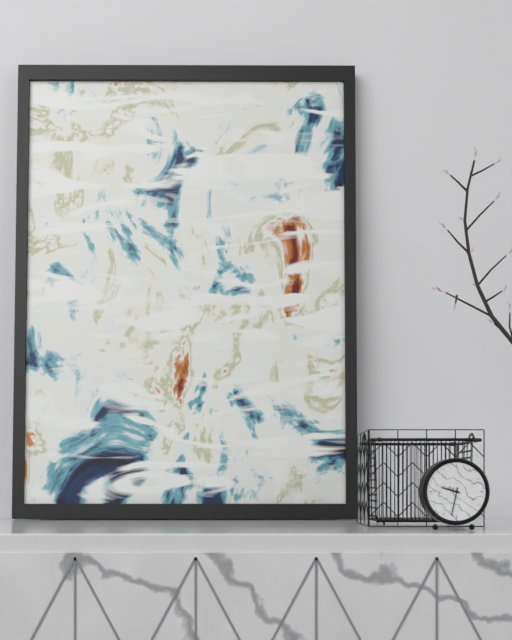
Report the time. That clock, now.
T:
9:32
